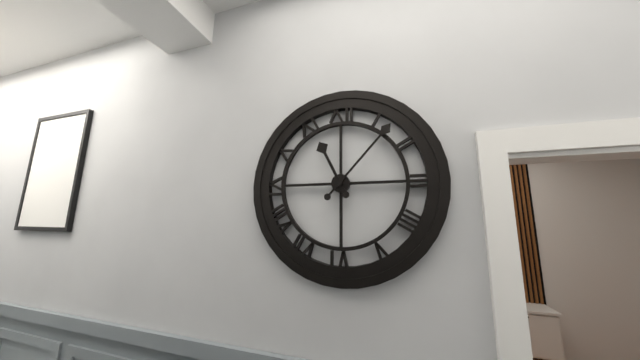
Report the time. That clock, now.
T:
11:07
